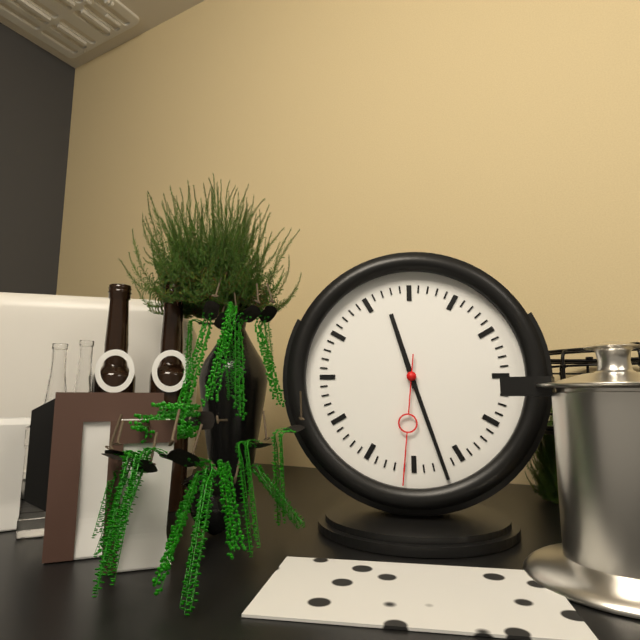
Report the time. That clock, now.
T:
11:27:31
